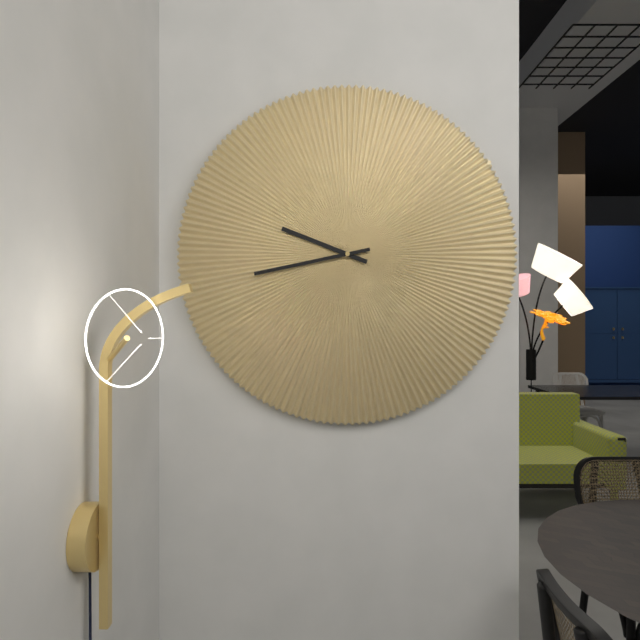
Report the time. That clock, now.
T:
9:43
